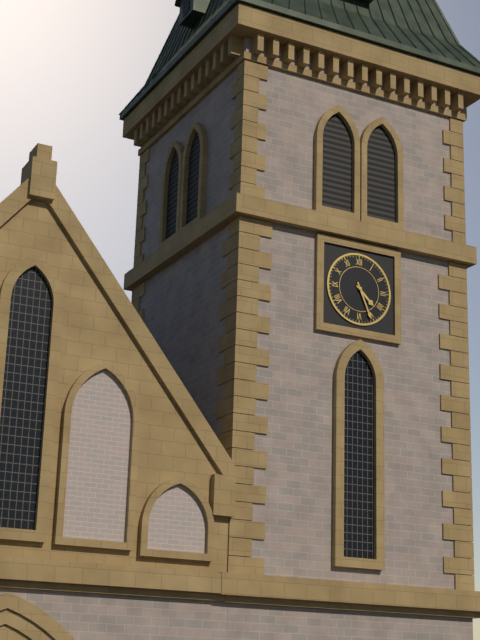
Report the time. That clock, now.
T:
4:26
